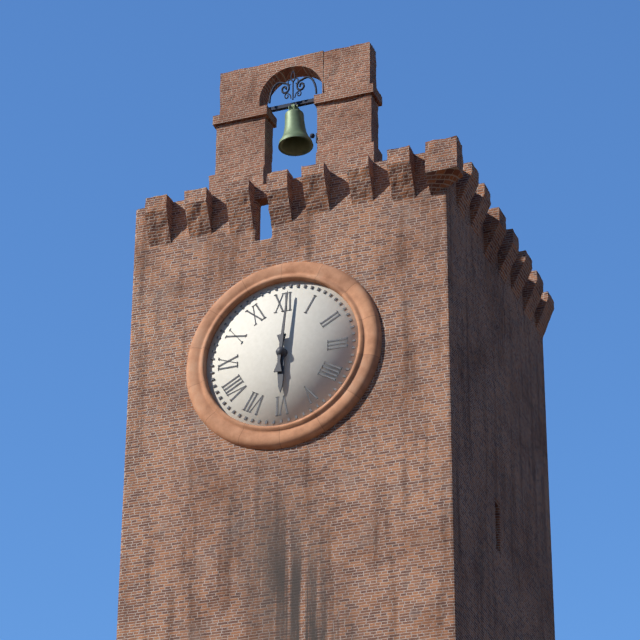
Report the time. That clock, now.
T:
6:01
